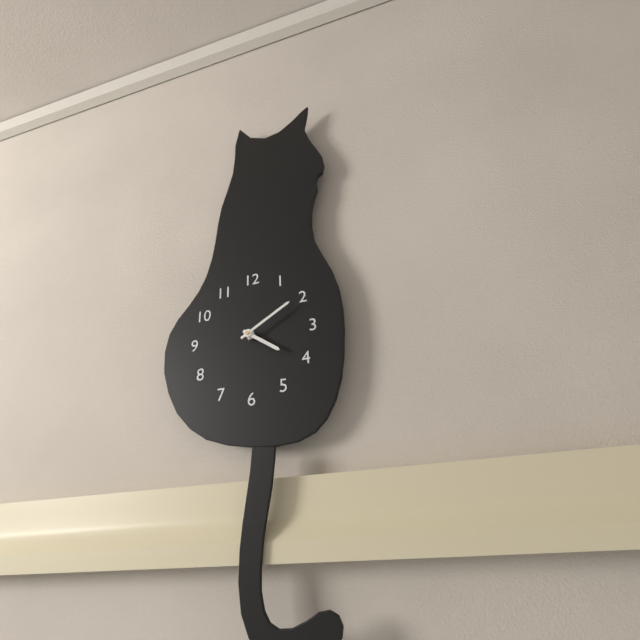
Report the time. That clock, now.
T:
4:10
